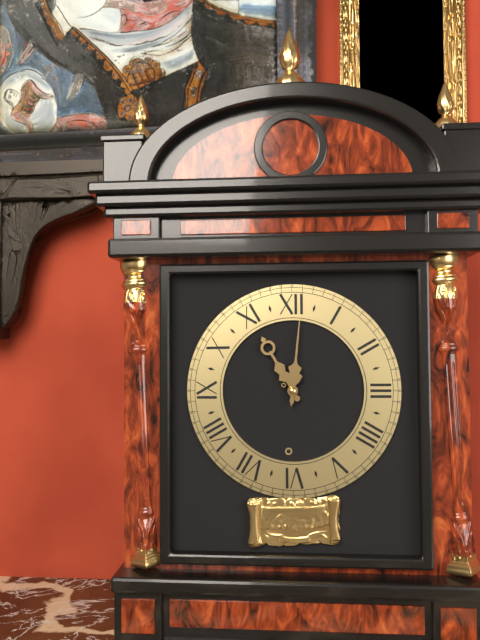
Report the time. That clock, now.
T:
11:01
